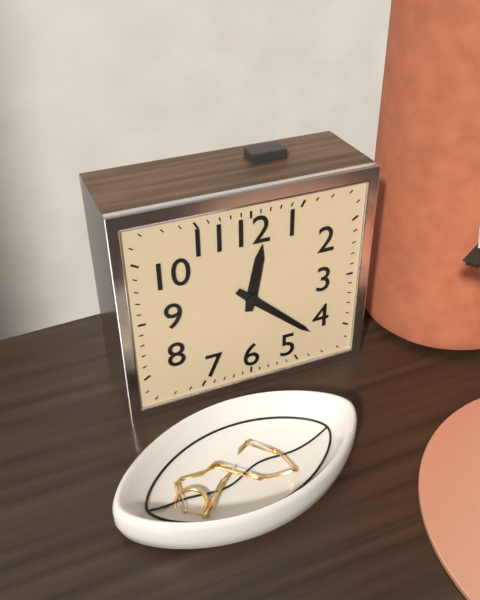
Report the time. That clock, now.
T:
12:22
